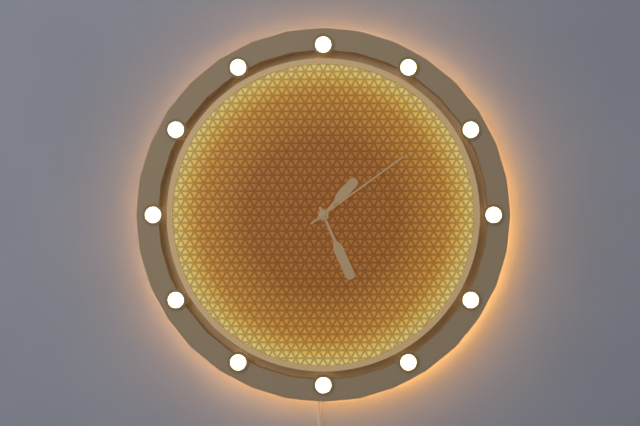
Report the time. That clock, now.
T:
1:26:09
